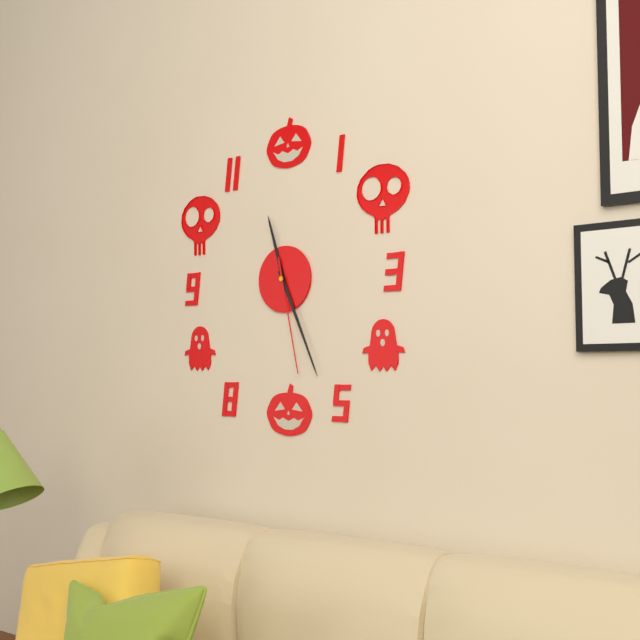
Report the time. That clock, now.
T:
11:26:28
